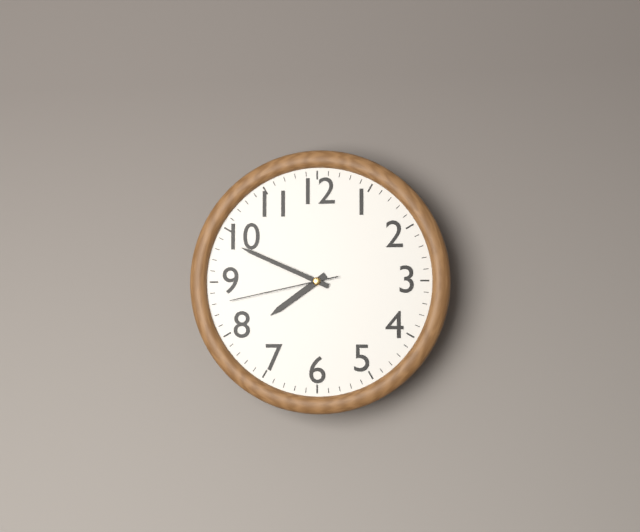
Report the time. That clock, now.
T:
7:49:43
